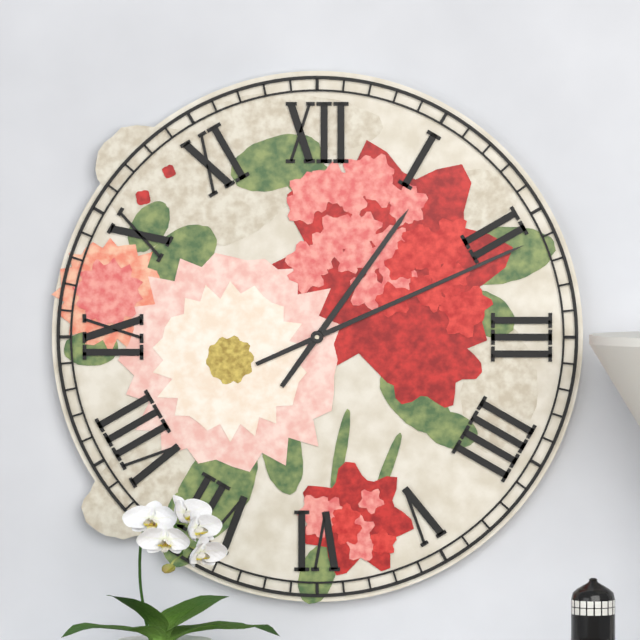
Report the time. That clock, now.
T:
1:11
